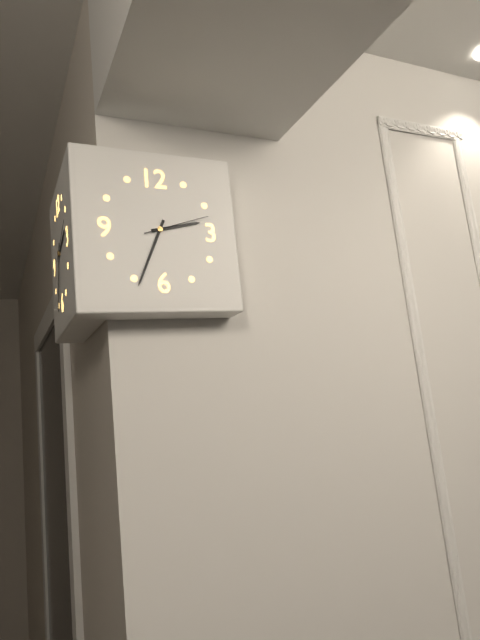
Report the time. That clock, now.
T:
2:34:12
